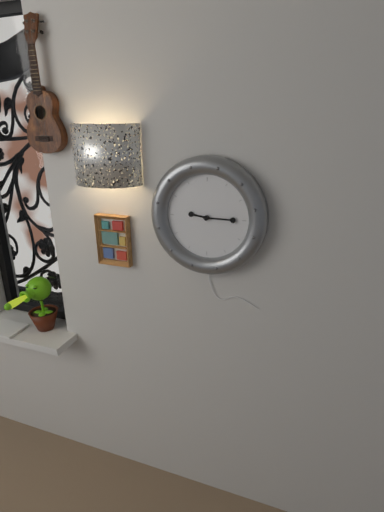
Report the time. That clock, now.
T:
9:15
